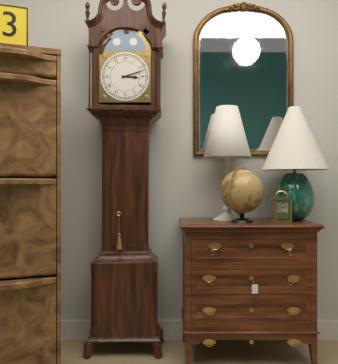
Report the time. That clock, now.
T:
3:12
